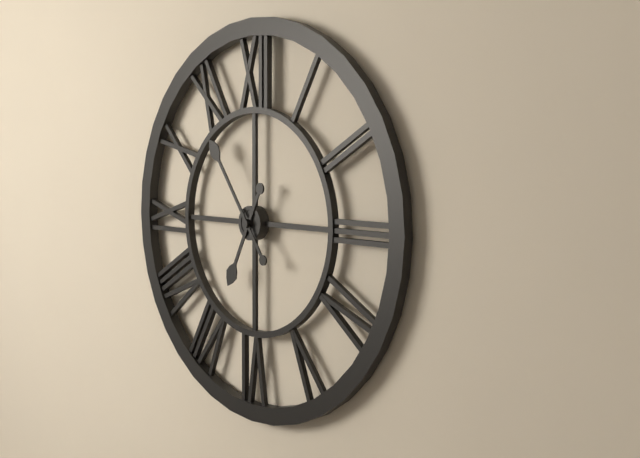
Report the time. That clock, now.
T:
6:54
